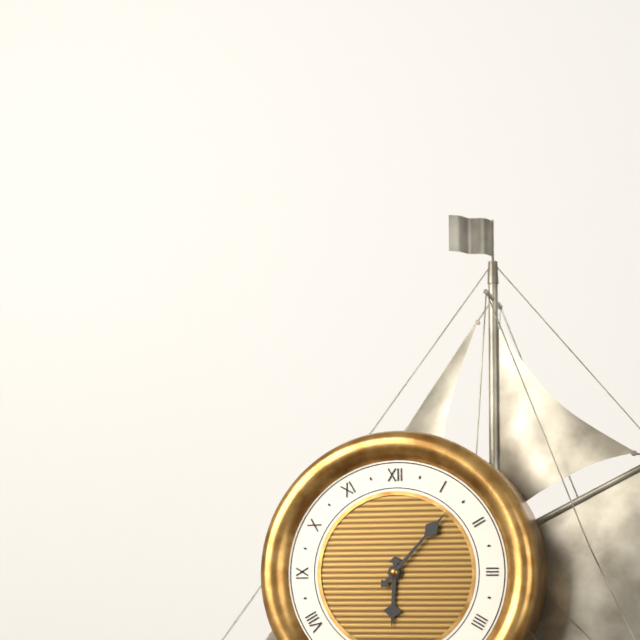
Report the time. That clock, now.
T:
6:07
